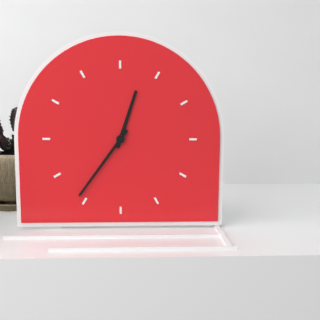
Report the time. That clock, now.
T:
12:36
